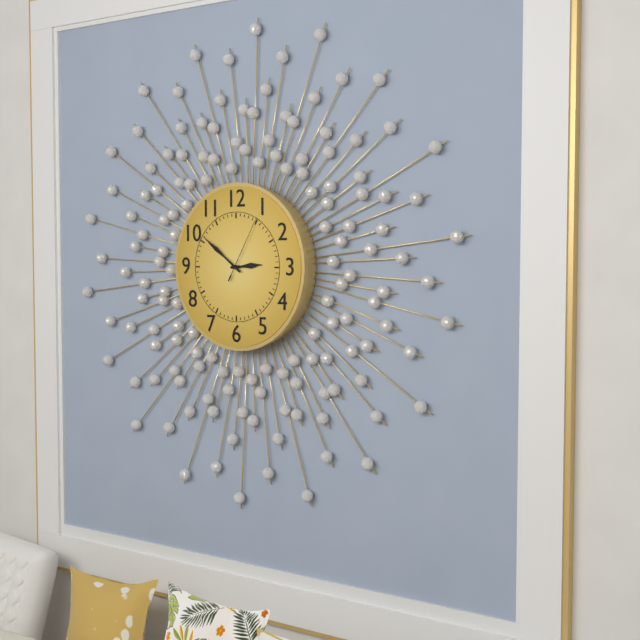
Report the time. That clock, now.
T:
2:51:05
